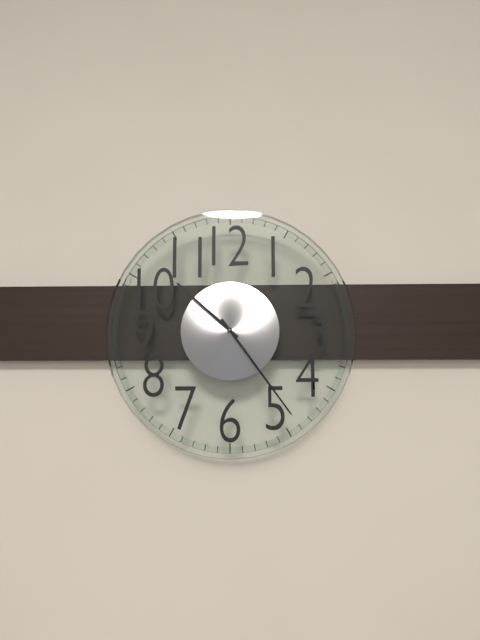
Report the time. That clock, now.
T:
10:24
